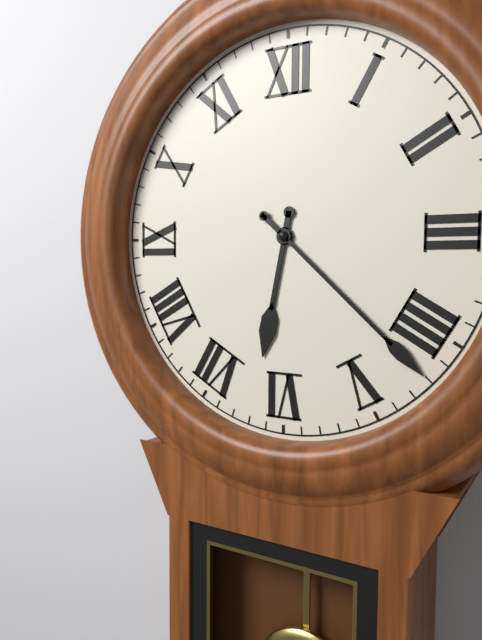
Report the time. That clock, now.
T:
6:22
